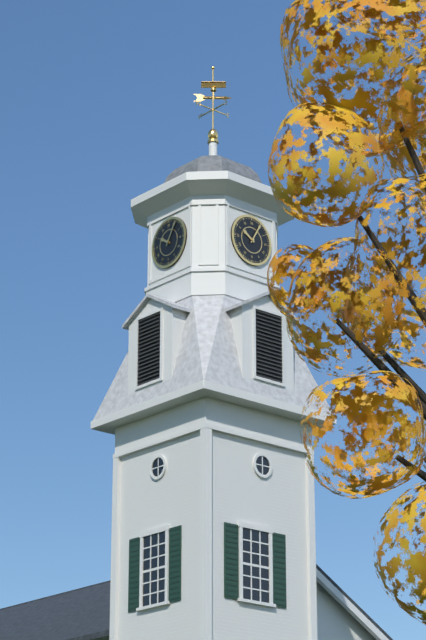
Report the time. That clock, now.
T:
10:05
